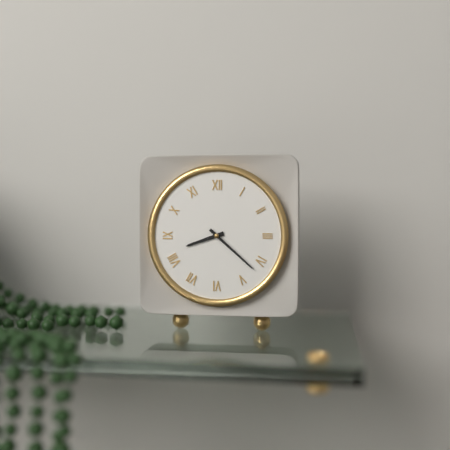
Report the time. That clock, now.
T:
8:22
